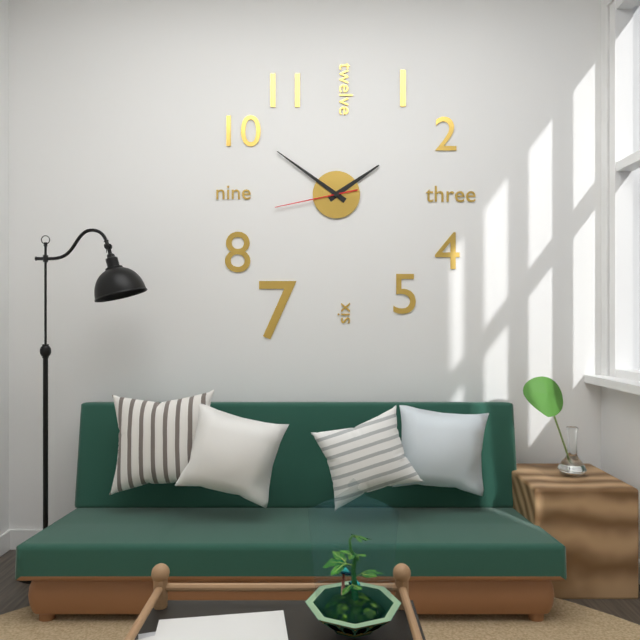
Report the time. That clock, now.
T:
1:51:43
